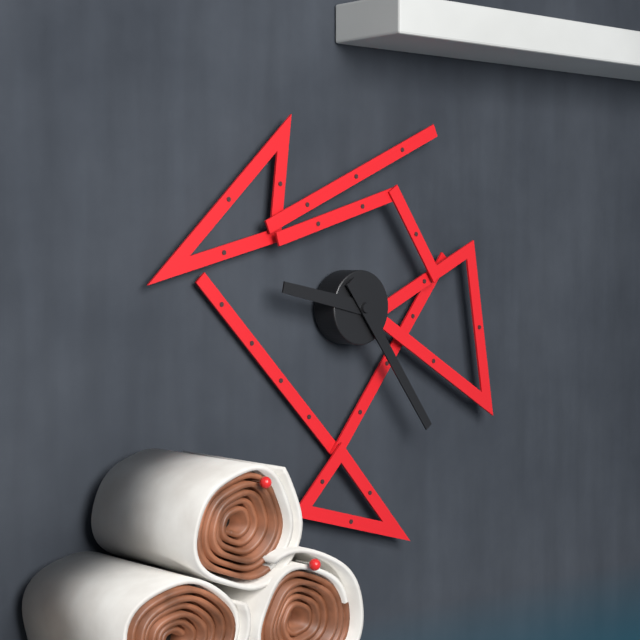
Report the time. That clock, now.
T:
9:24
